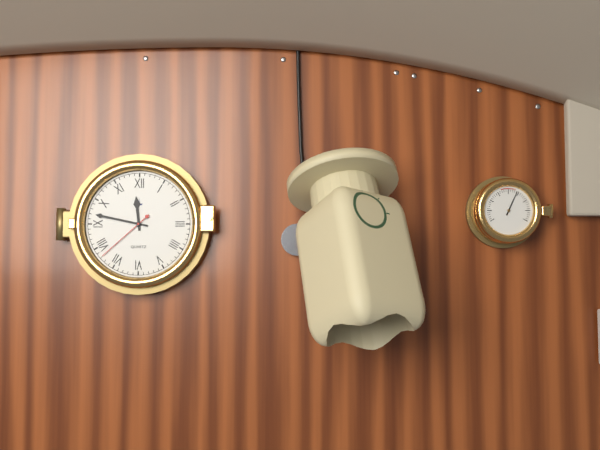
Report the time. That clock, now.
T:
11:47:38
